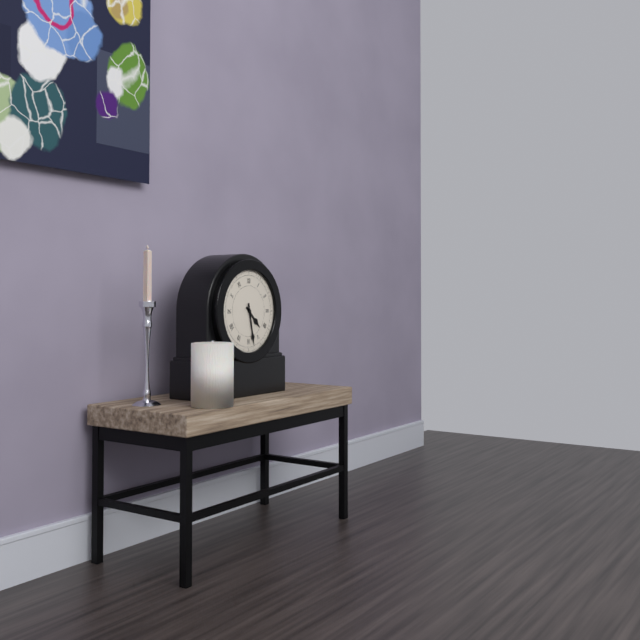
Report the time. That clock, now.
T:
4:28
